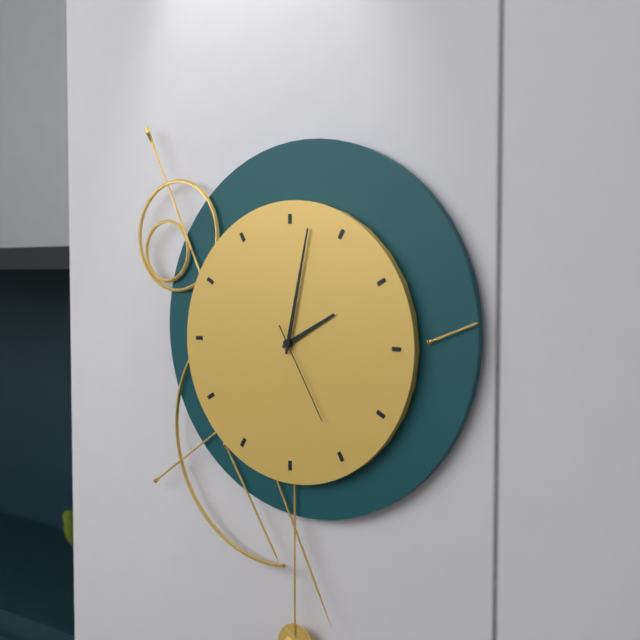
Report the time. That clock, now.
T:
2:02:25
